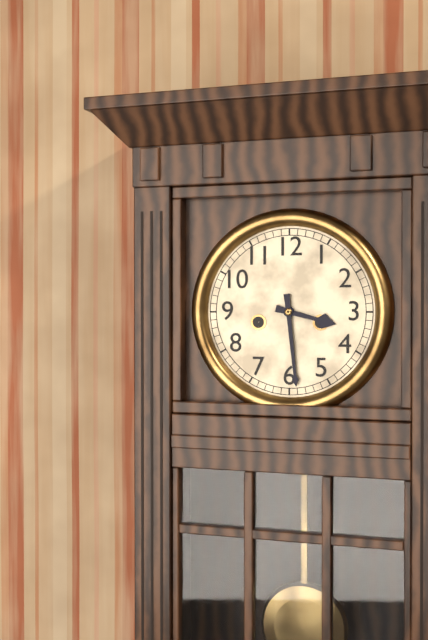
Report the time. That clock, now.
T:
3:29
